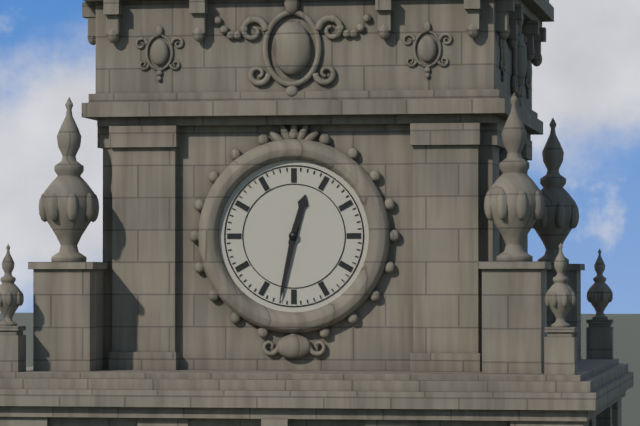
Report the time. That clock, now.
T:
12:32
